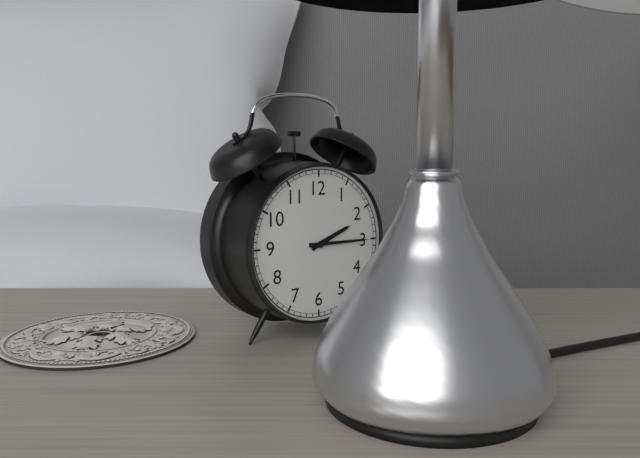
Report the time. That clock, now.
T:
2:15
